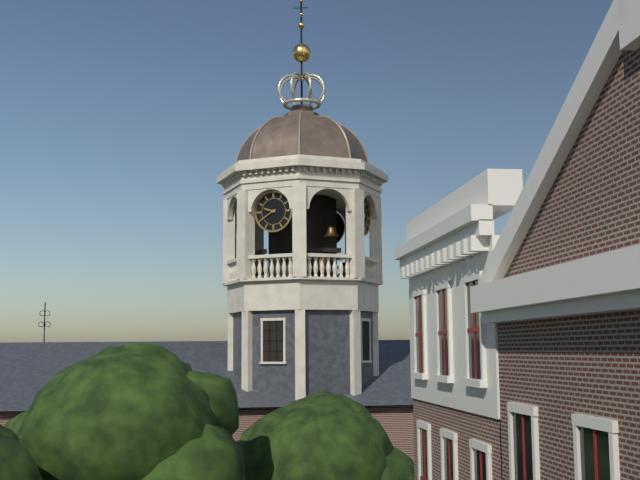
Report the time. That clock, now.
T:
9:40
